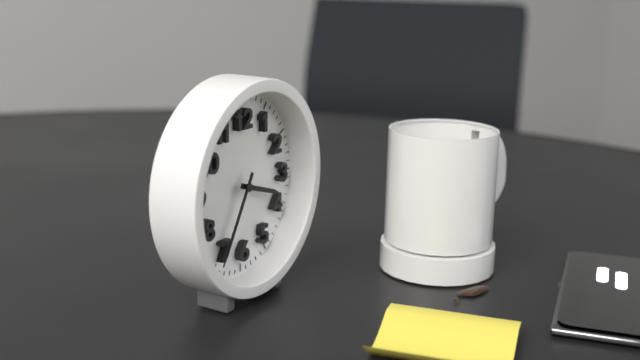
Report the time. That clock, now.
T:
3:35
